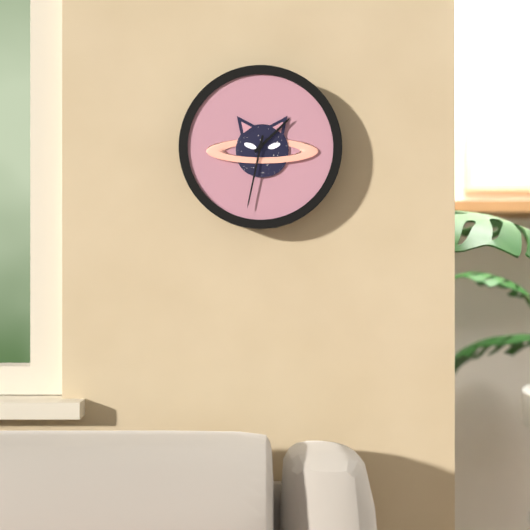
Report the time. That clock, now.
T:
1:32
